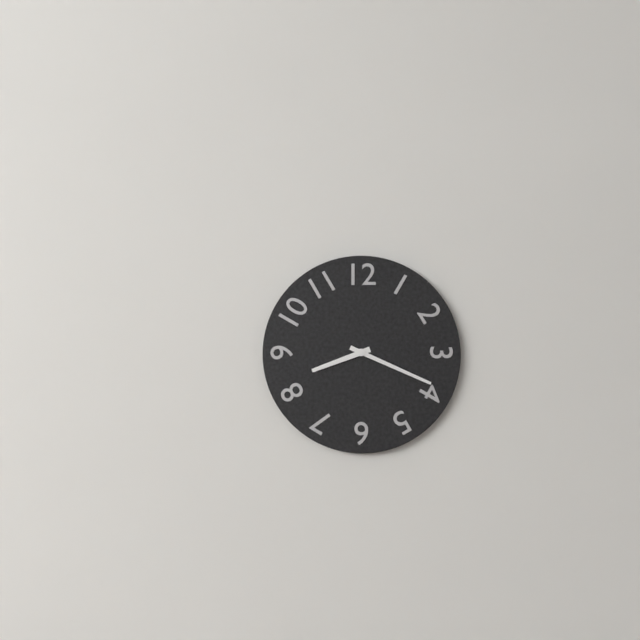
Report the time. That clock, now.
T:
8:19
